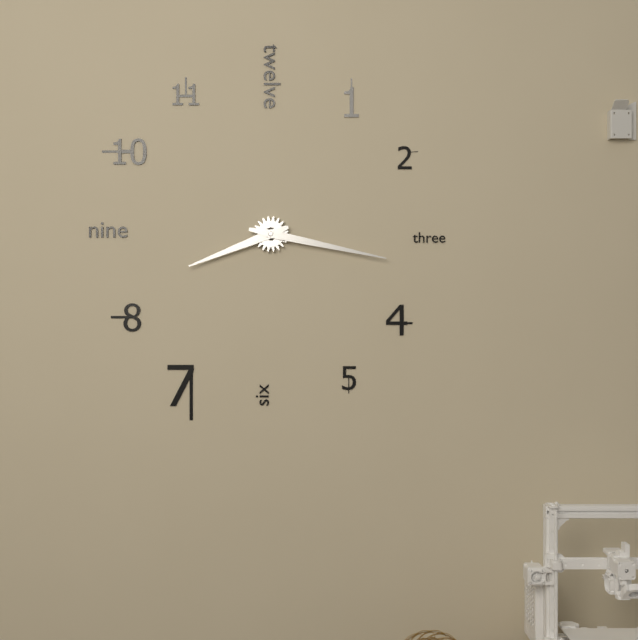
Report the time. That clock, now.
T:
8:17
